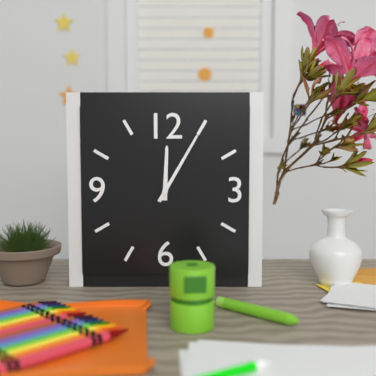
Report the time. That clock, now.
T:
12:05
